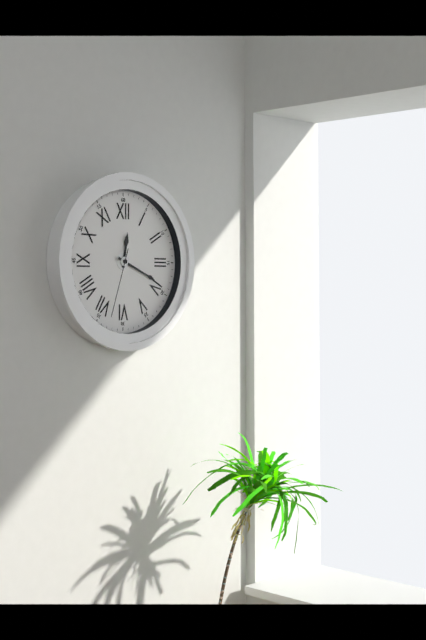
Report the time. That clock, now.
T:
12:19:33
